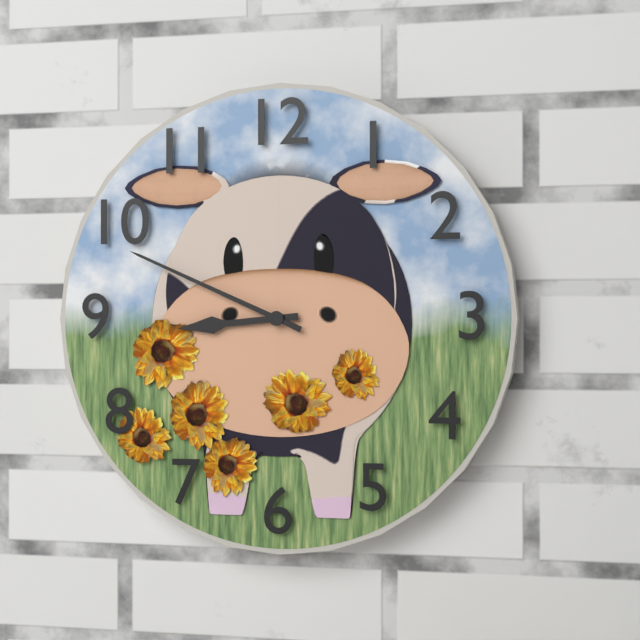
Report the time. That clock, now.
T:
8:49
